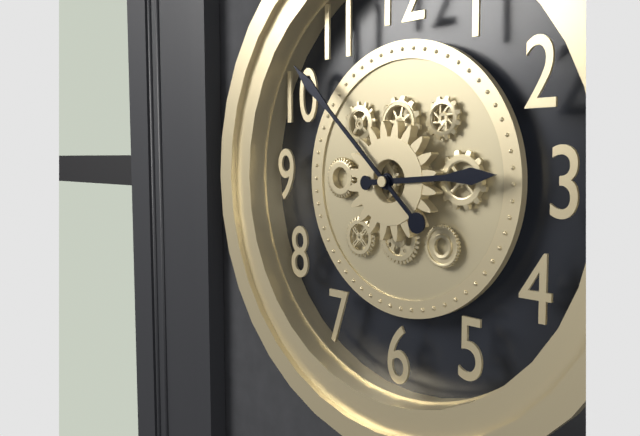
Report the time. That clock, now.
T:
2:52
